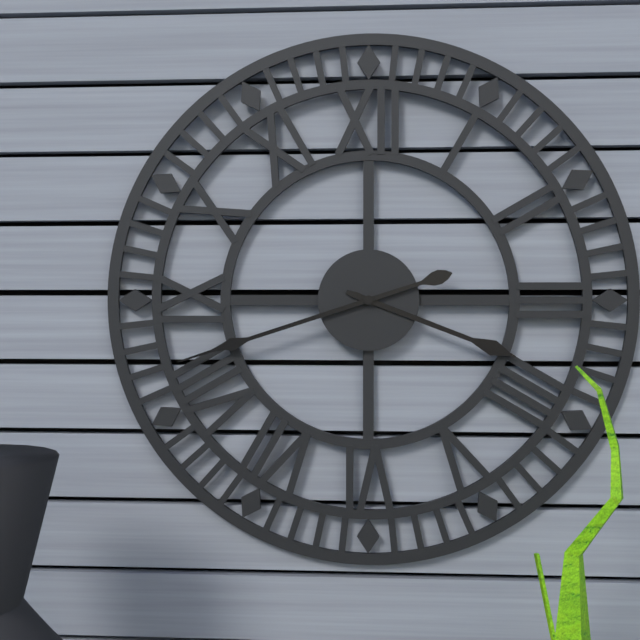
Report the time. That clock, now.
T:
3:42
